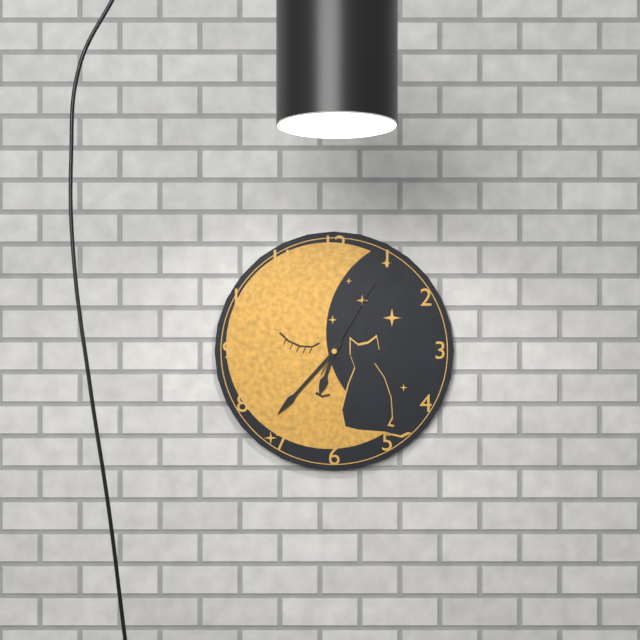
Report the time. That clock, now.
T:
6:37:05
